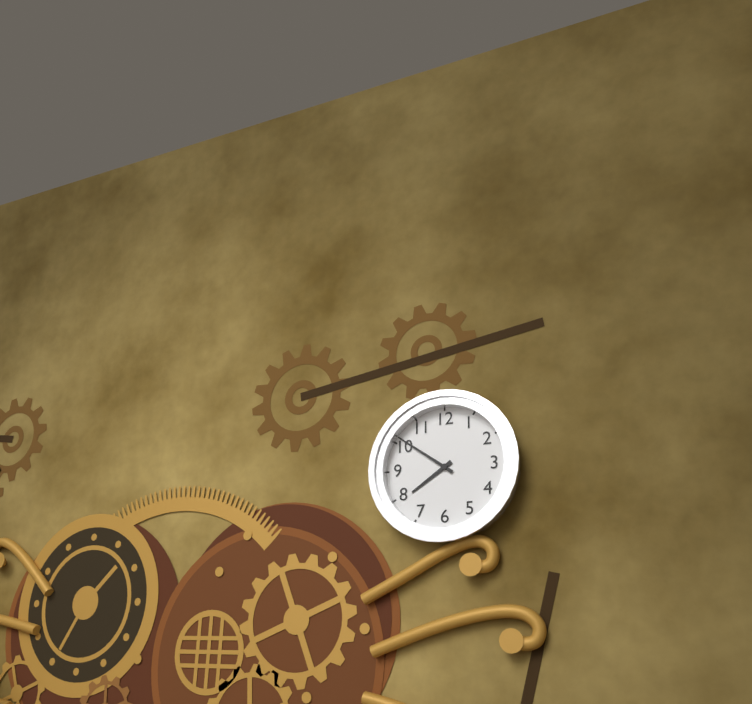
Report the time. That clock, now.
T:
7:51
